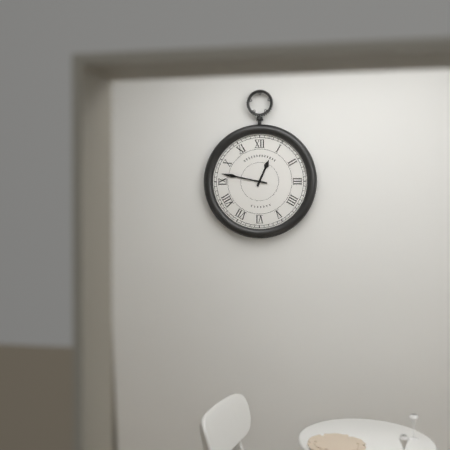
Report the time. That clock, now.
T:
12:47
